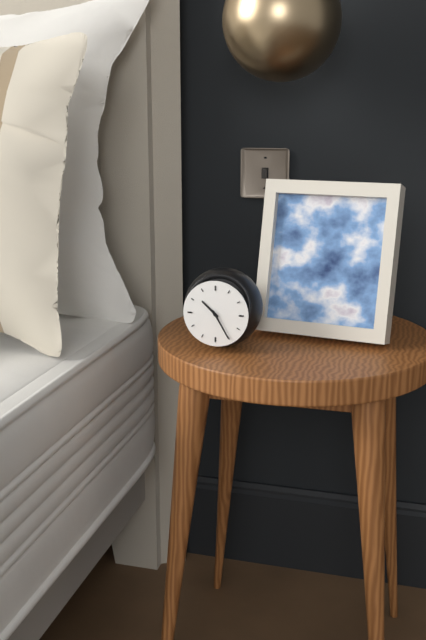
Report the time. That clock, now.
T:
10:25
